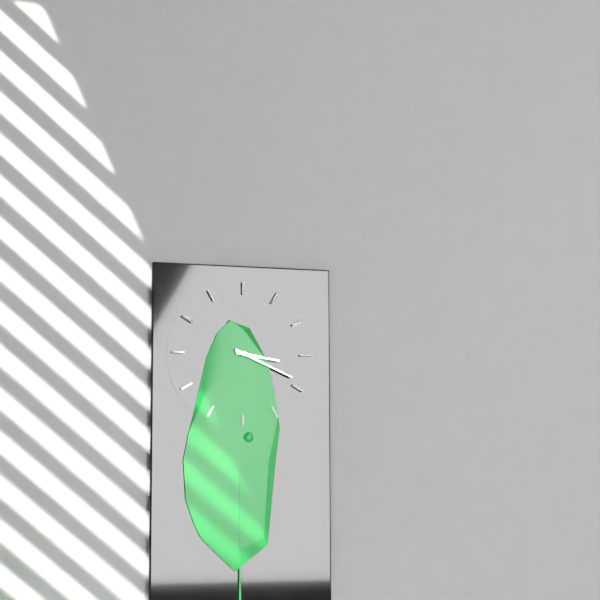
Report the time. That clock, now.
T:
3:19
